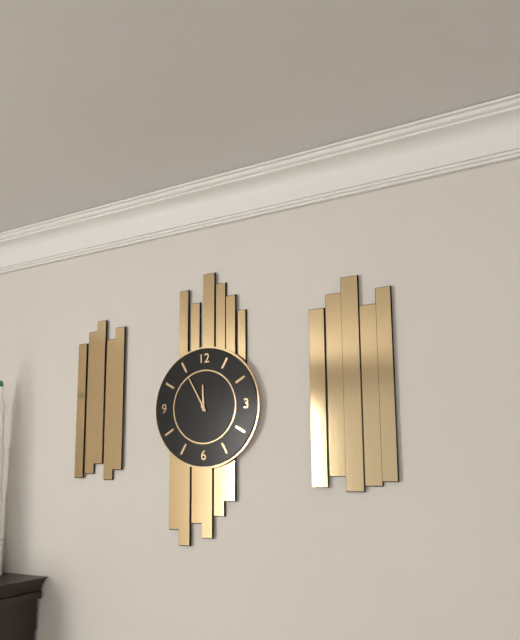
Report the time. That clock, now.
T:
11:55
